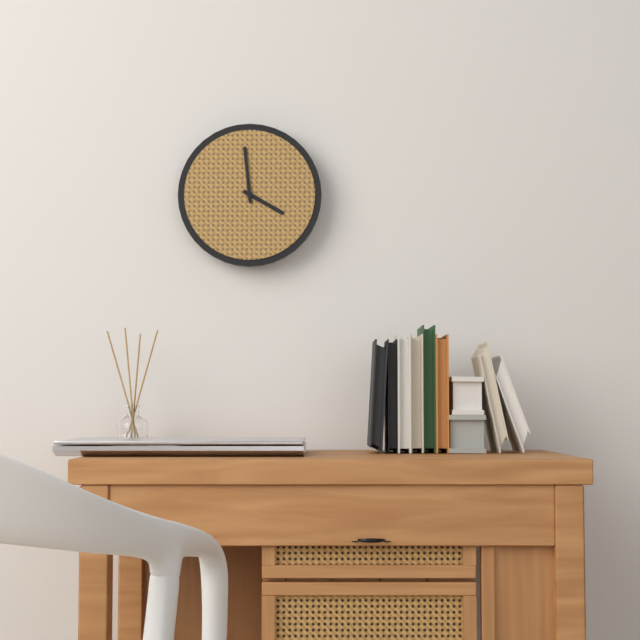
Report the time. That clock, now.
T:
3:59
